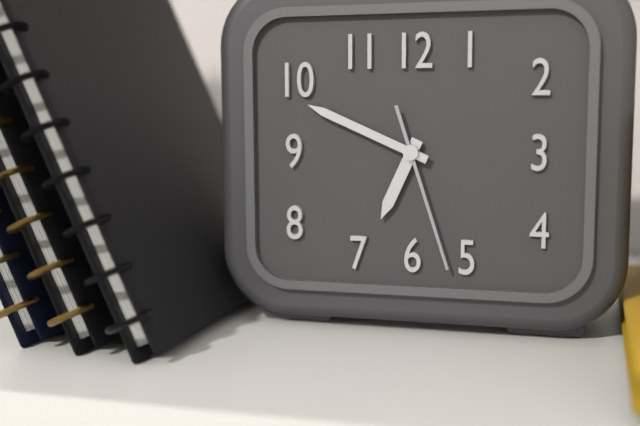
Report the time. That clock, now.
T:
6:49:27
